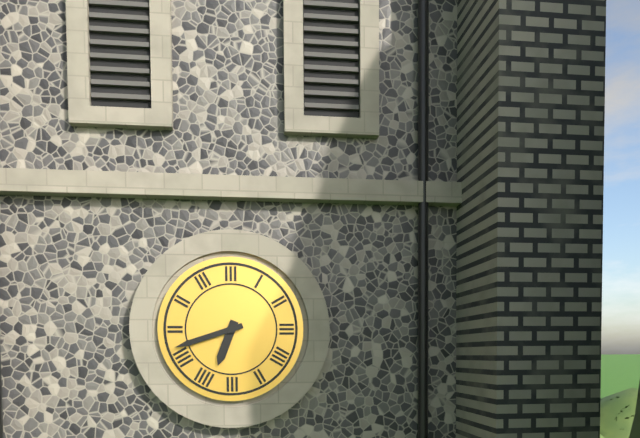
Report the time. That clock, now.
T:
6:42
